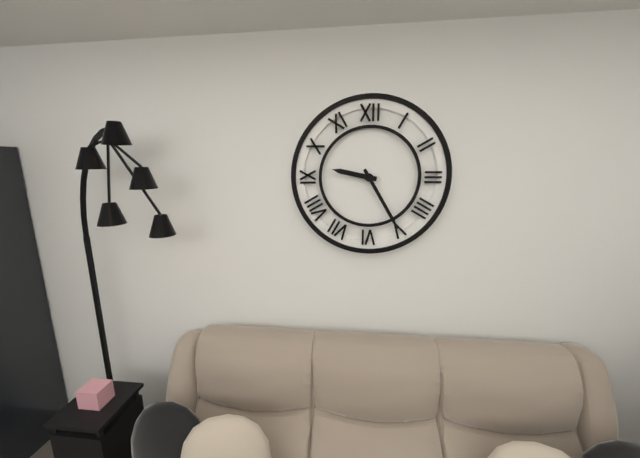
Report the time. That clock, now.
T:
9:25
